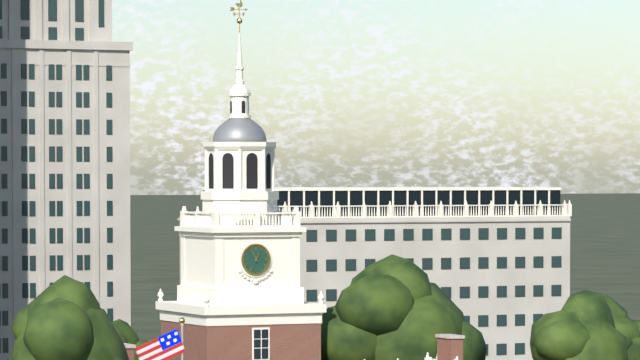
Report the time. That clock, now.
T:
12:55
